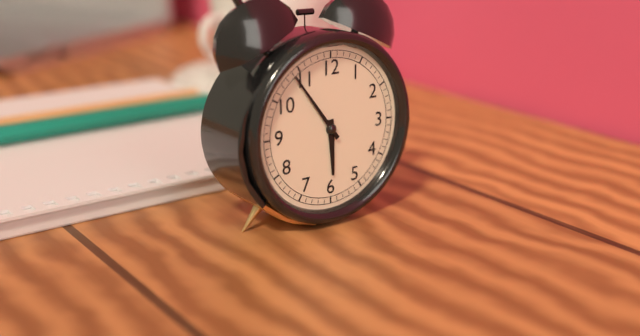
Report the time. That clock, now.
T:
5:54
